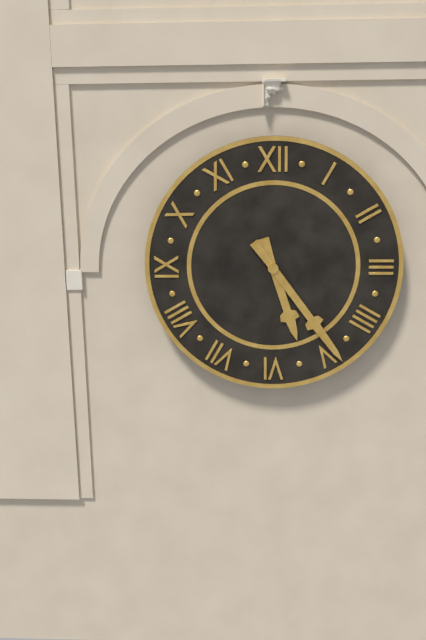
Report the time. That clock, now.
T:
5:24
